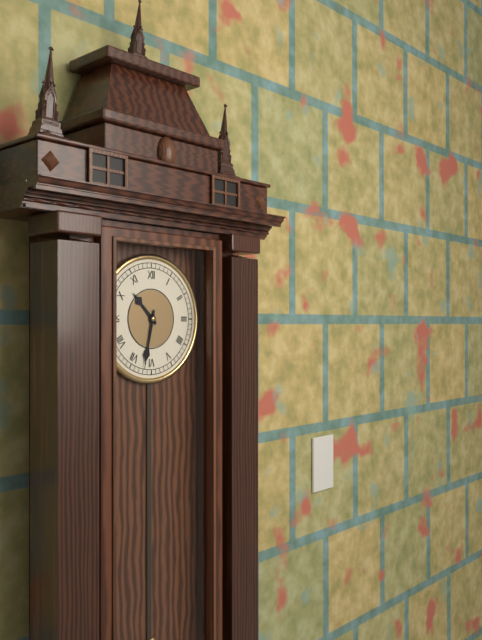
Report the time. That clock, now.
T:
10:32
